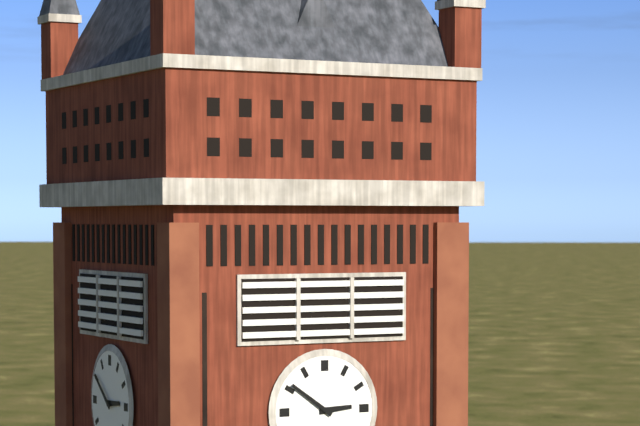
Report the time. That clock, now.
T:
2:51
